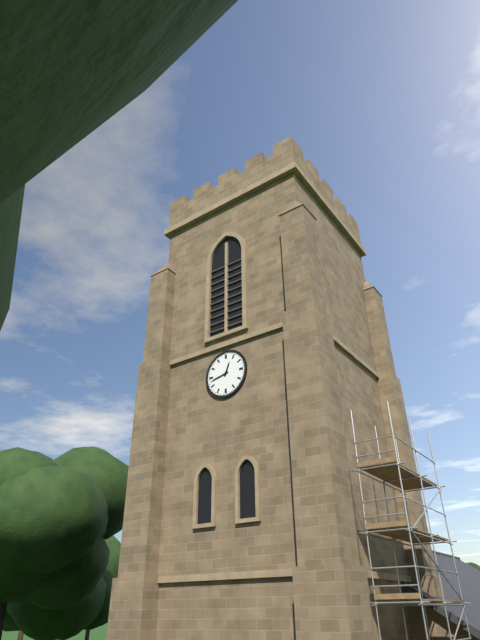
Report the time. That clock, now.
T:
12:43
